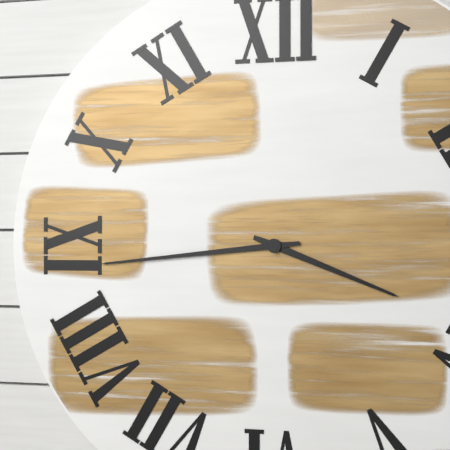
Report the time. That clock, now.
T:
3:44
